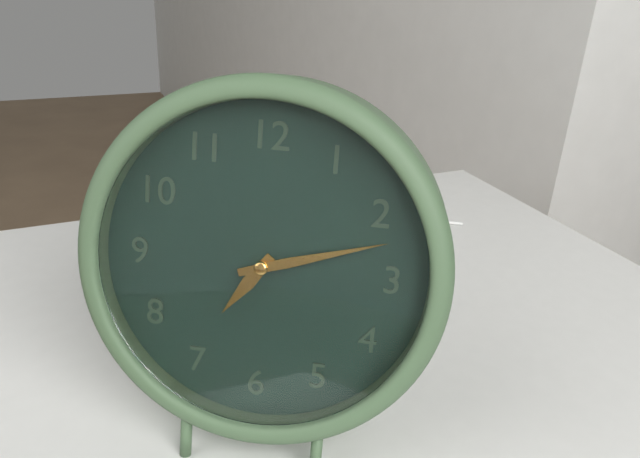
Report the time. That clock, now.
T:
7:12
